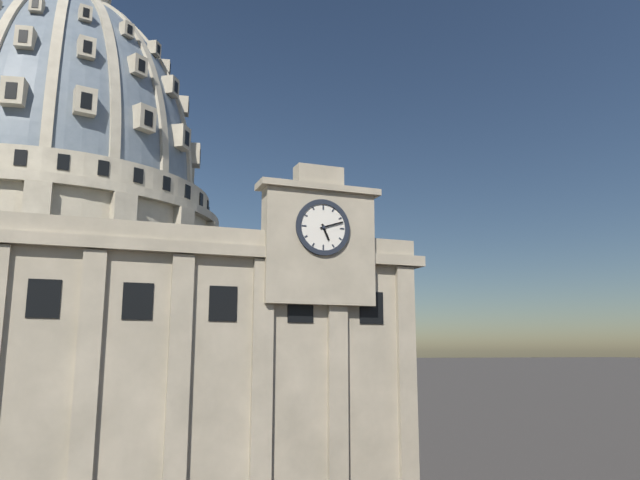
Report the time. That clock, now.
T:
5:12
